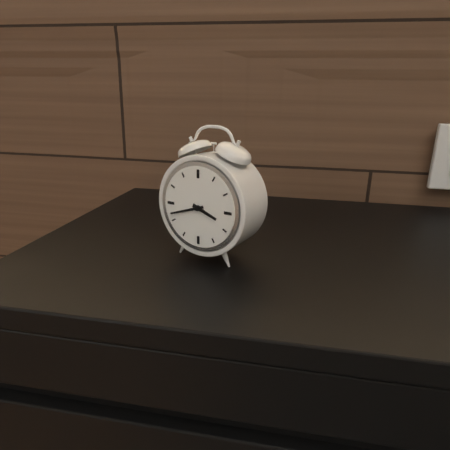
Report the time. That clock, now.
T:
3:42
